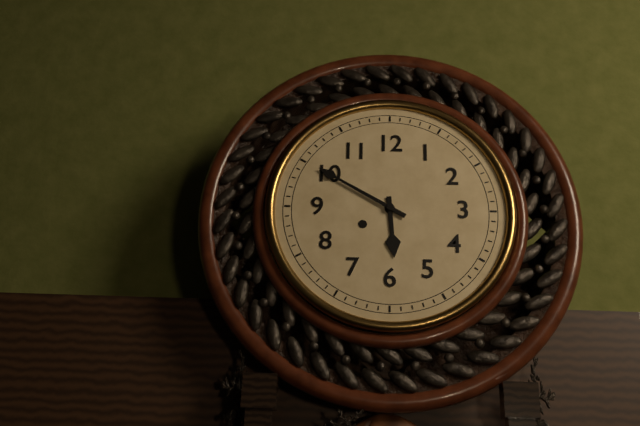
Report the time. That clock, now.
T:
5:50
